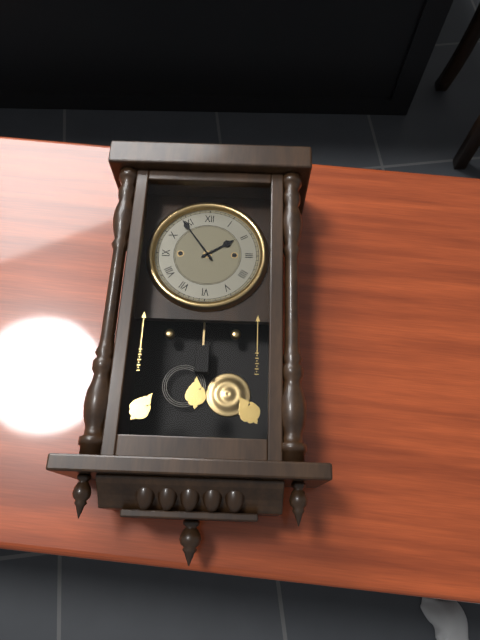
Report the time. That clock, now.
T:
1:54
